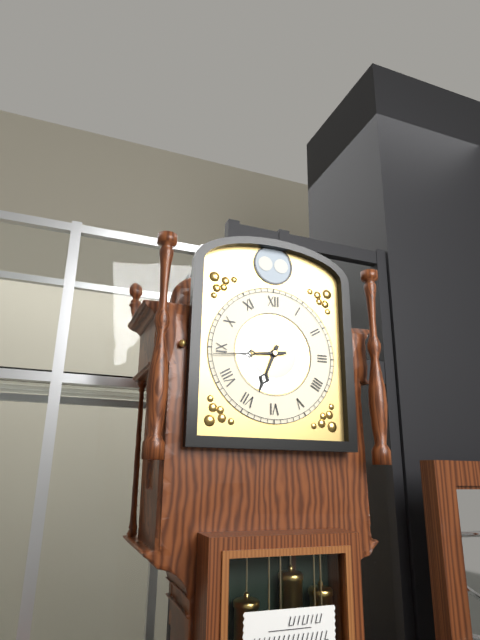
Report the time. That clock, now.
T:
6:44
